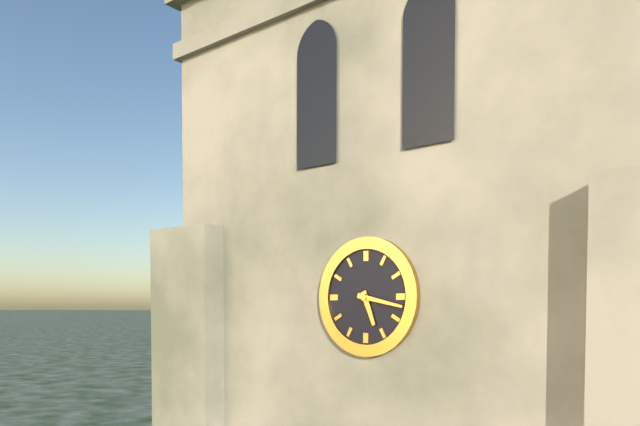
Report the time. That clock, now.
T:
5:17
